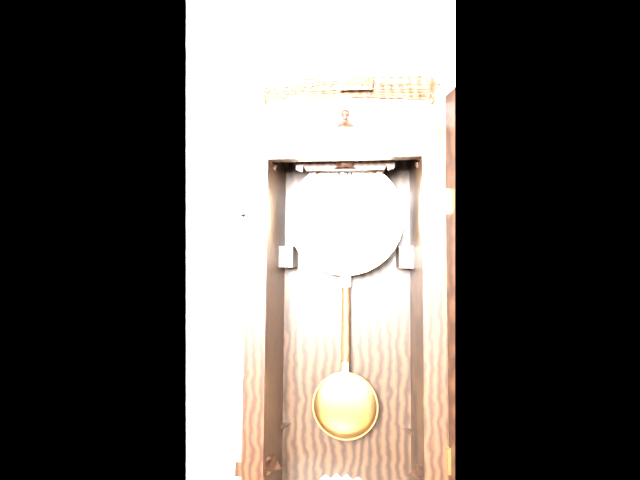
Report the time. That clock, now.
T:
4:16
